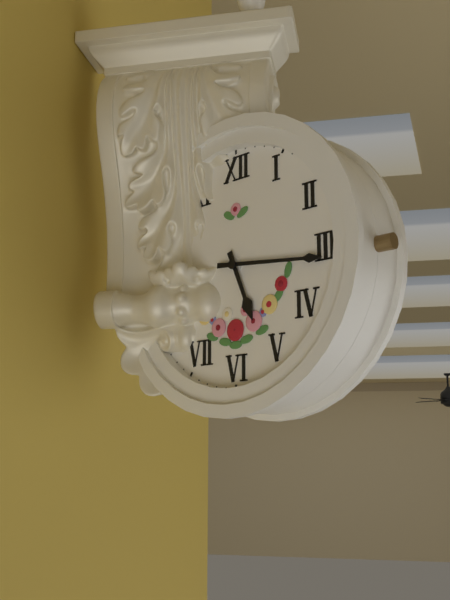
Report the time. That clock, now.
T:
5:16
